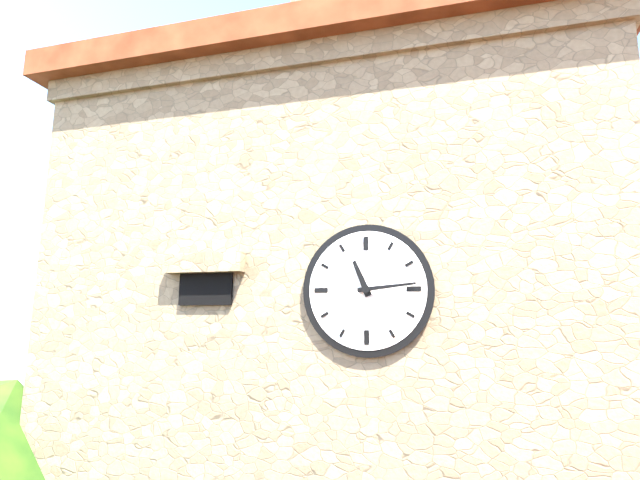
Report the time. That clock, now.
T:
11:14
